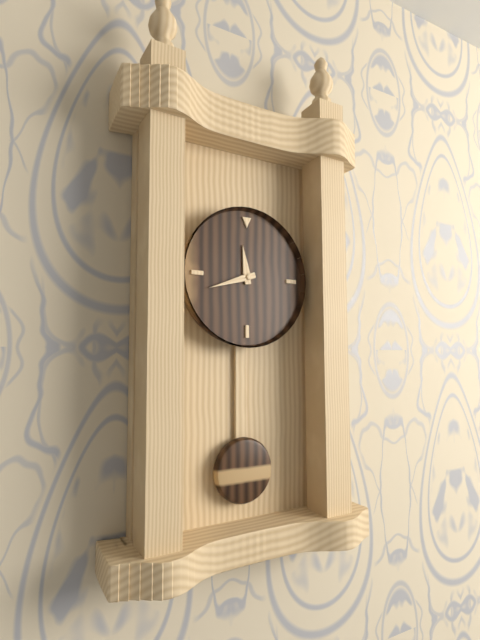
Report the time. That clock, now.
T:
11:42
